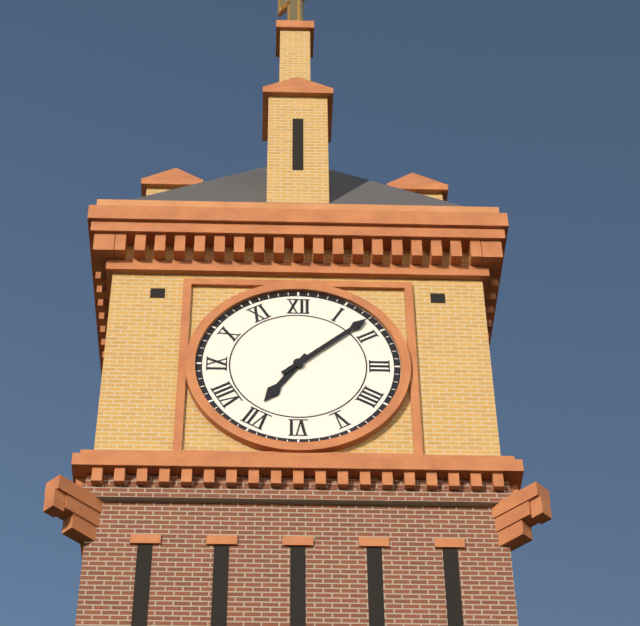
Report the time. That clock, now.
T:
7:08
